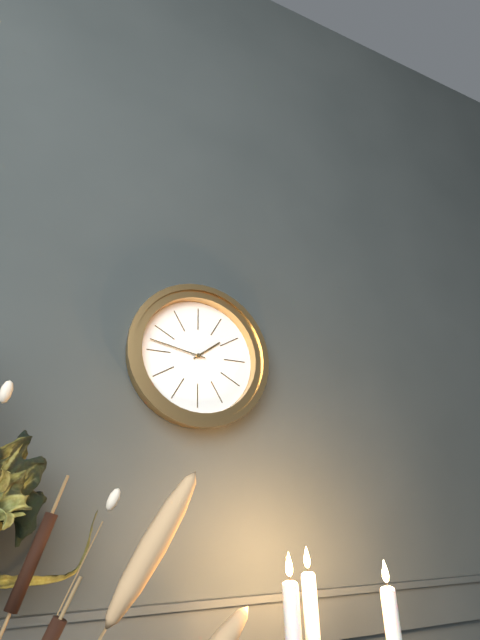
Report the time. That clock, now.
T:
1:47
